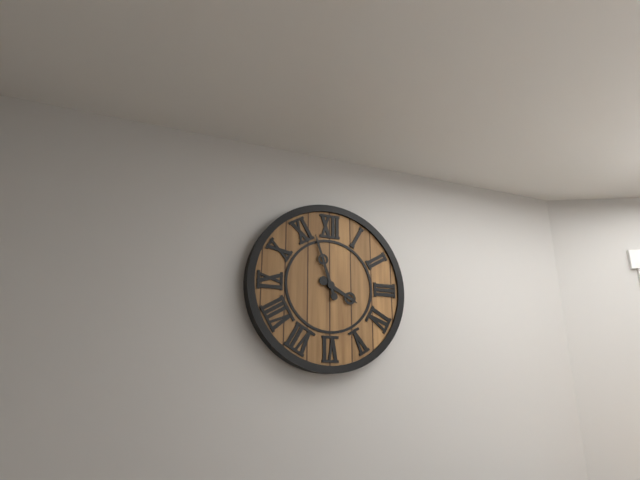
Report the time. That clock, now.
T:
3:57
